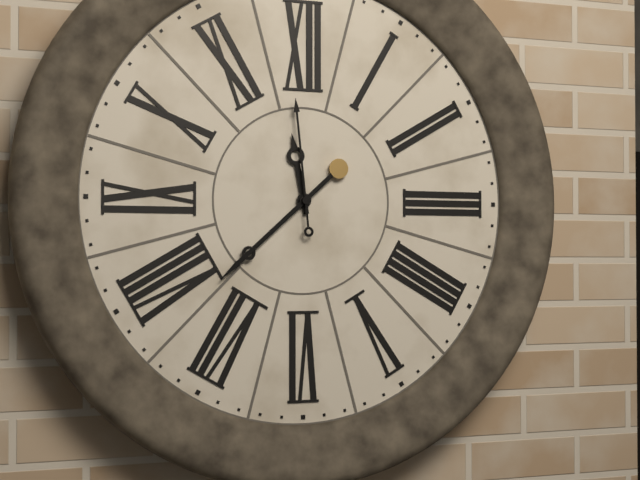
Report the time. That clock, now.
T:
11:38:59
